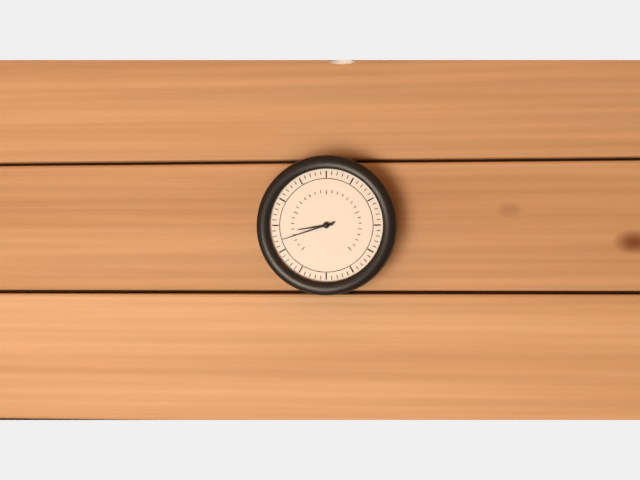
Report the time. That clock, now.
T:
8:42
